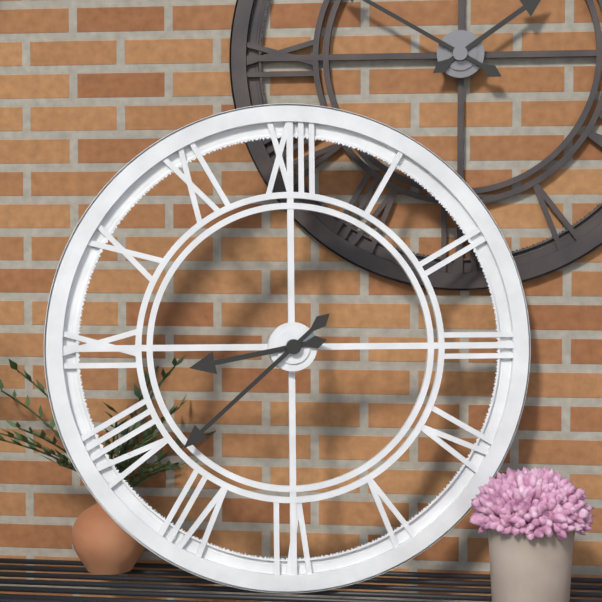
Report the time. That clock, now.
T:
8:38
